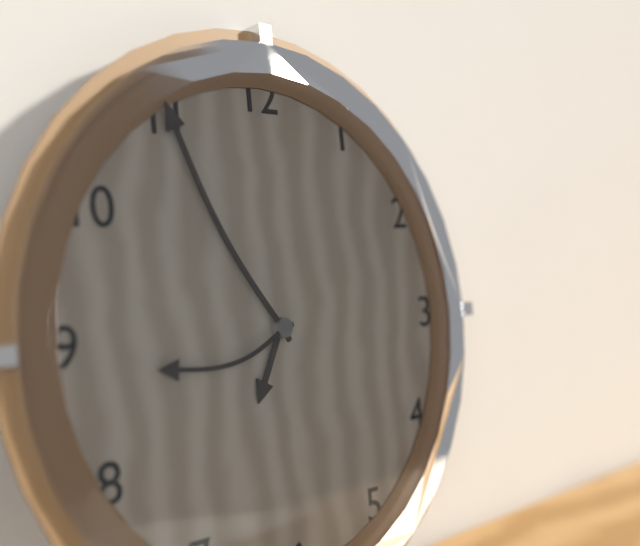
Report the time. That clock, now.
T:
6:55:43
